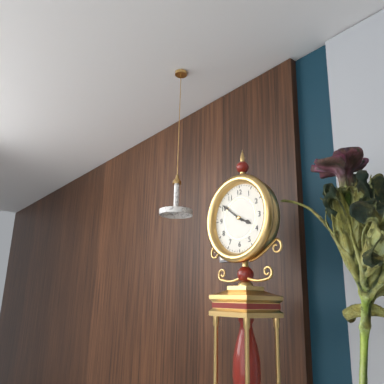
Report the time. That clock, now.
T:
3:51
